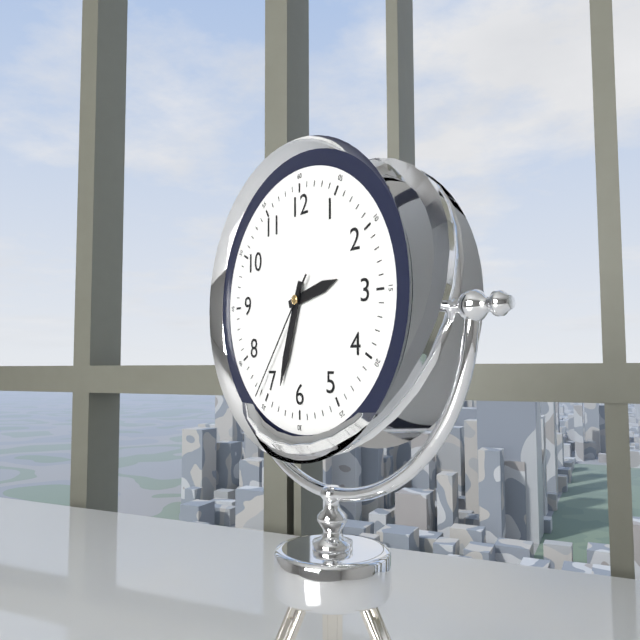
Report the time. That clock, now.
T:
2:33:36
